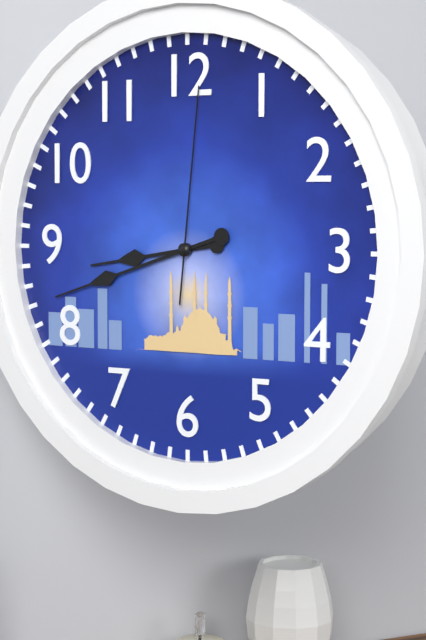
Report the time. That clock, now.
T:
8:42:01
